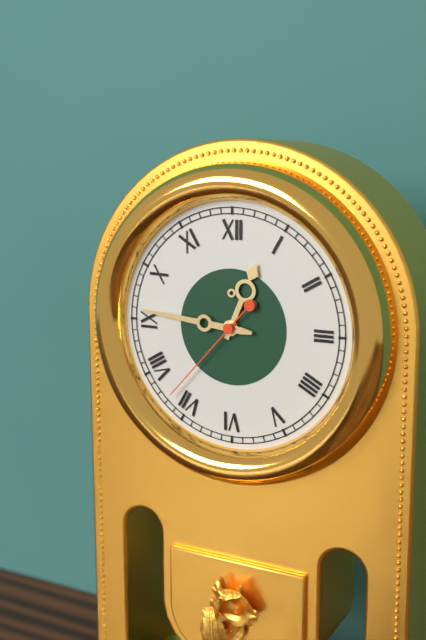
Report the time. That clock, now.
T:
12:46:37
